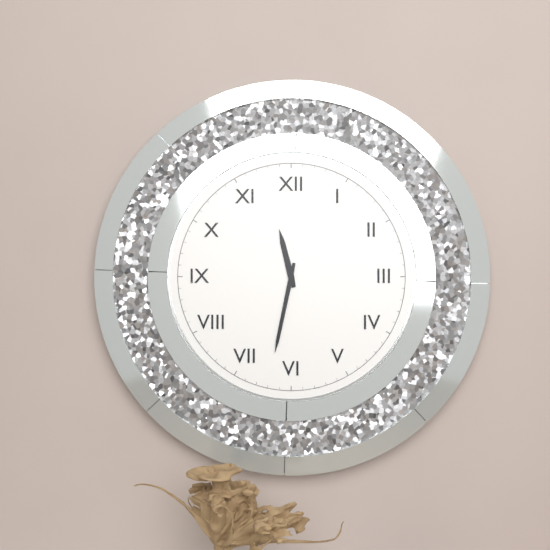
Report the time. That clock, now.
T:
11:32
